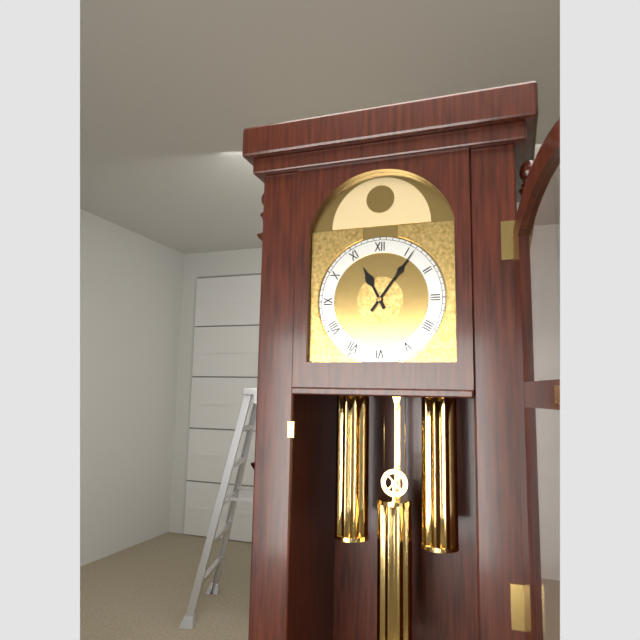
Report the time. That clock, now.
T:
11:06
